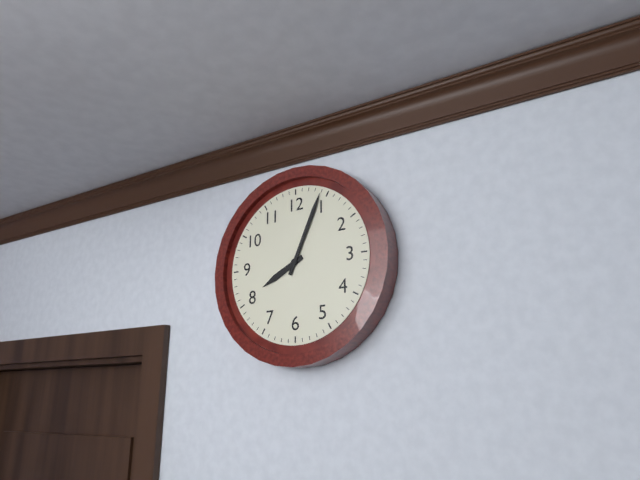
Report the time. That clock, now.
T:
8:04
